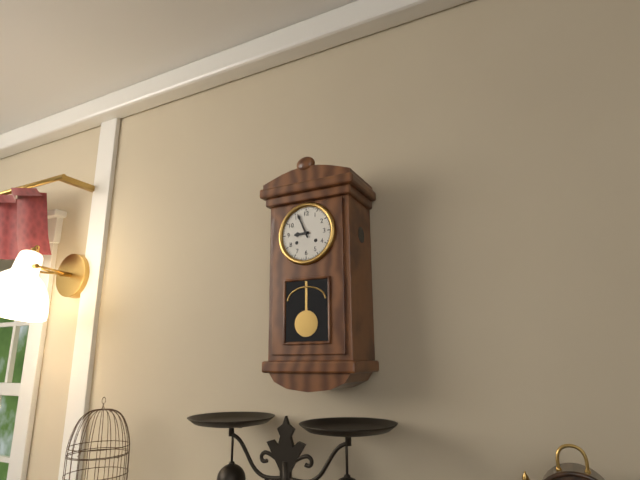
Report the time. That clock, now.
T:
8:56
